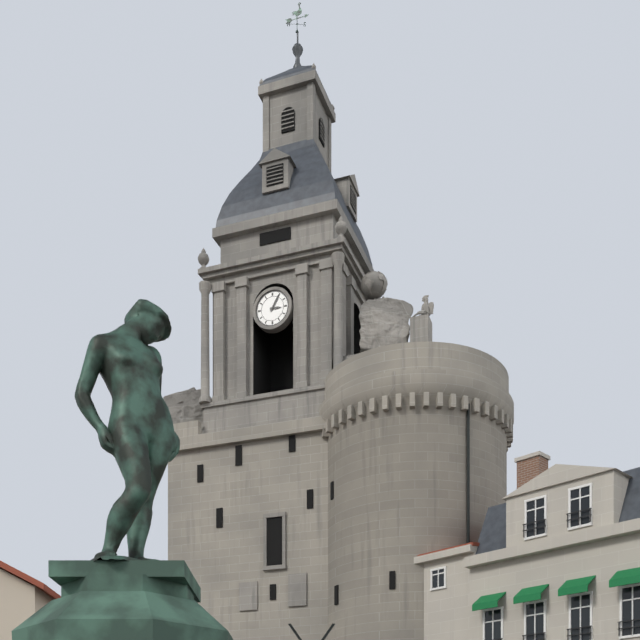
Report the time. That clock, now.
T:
3:05
